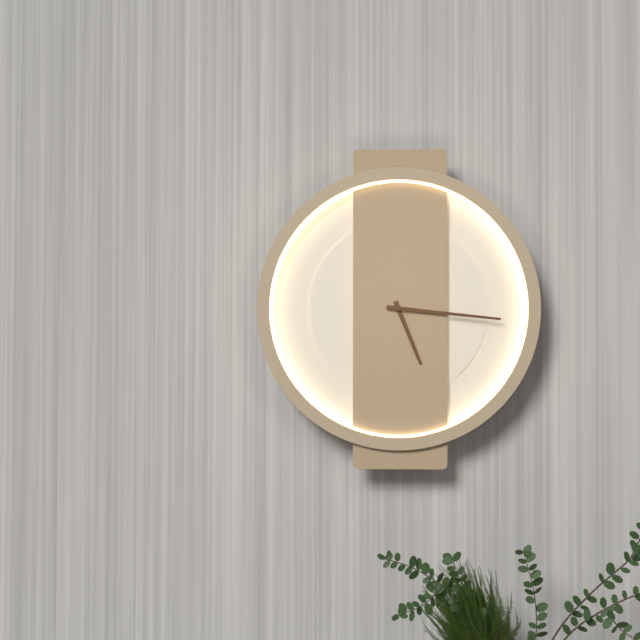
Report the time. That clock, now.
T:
5:16
